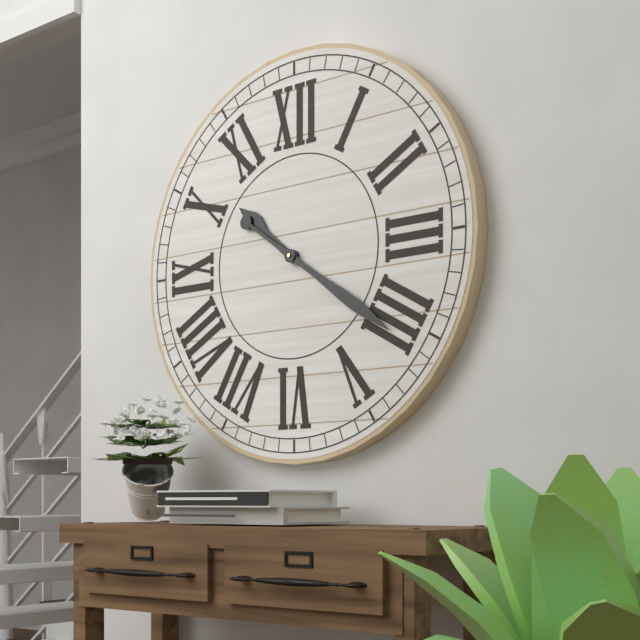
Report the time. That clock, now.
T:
10:21
